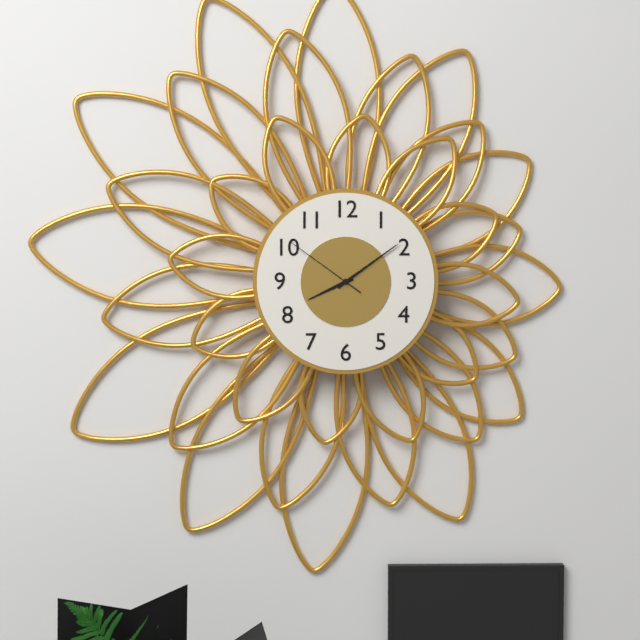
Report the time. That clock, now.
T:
8:09:51
